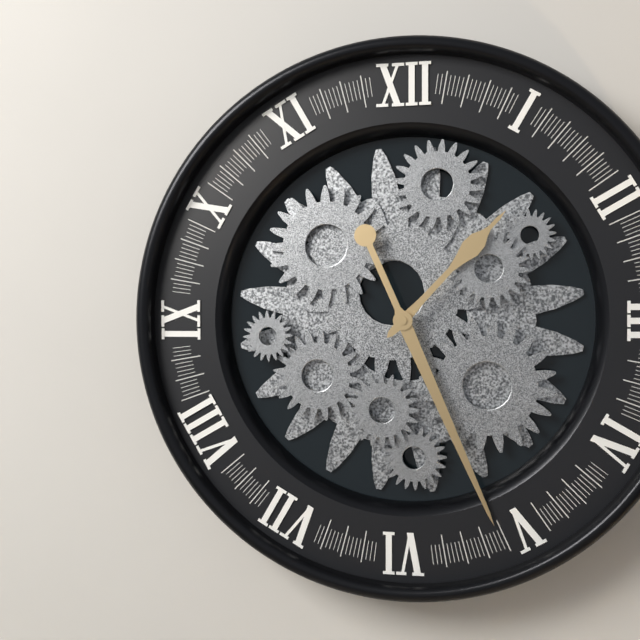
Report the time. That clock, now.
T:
1:26
